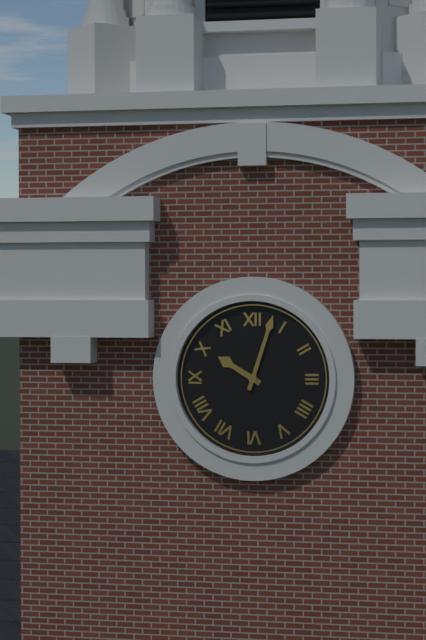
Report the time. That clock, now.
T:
10:03
